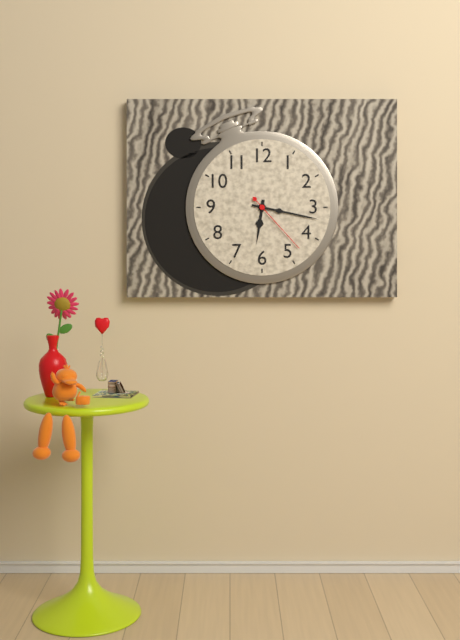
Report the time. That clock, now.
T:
6:17:23
